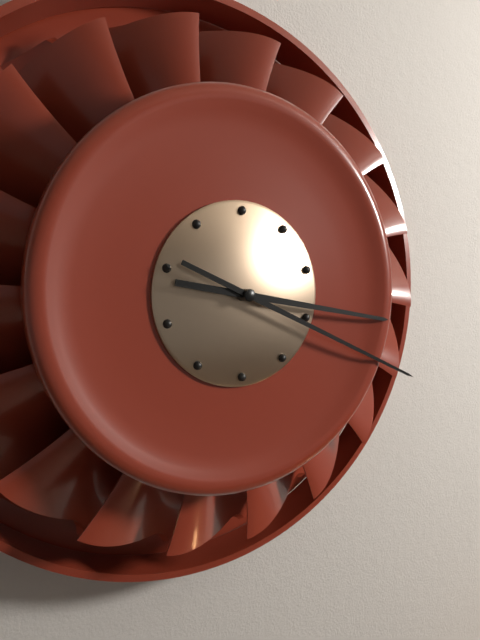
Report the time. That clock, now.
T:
3:19
